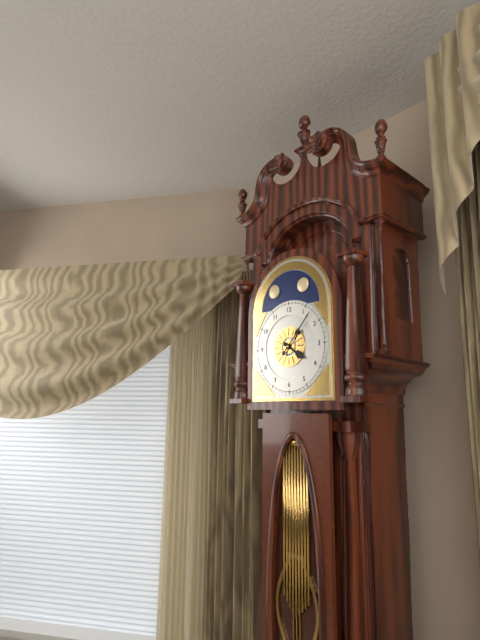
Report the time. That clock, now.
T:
4:07
